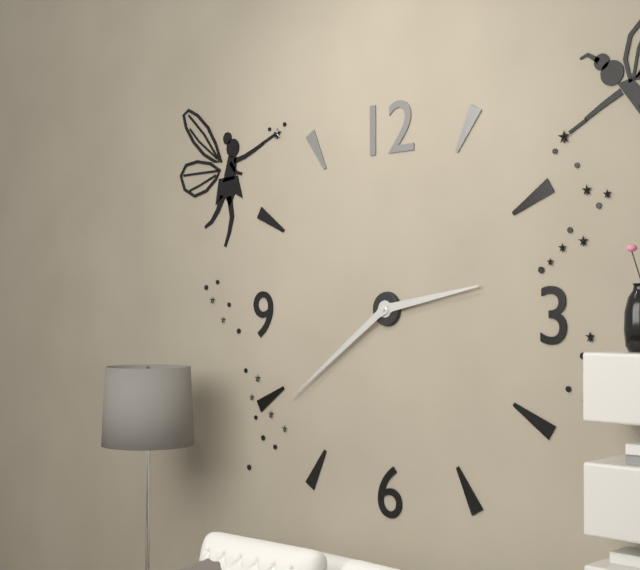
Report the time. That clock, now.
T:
2:39
